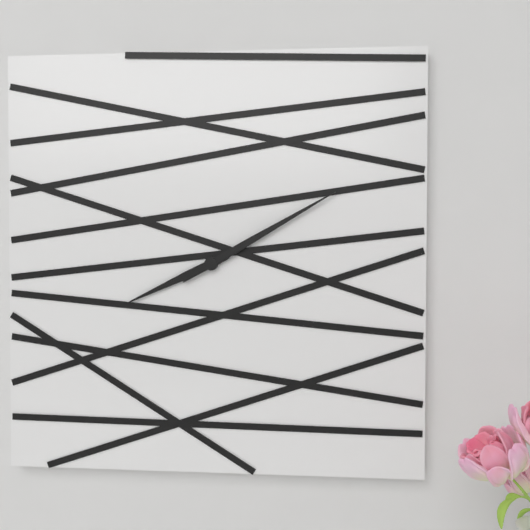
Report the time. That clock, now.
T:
8:10
